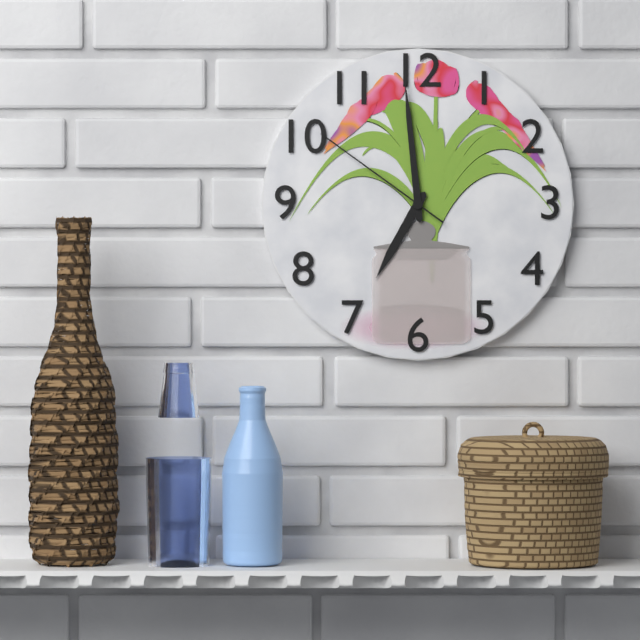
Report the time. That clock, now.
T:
6:59:51
